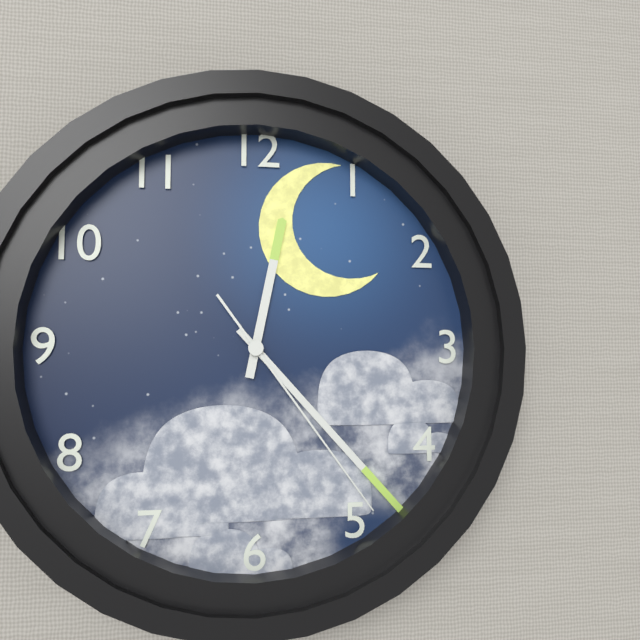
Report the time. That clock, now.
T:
12:23:24
